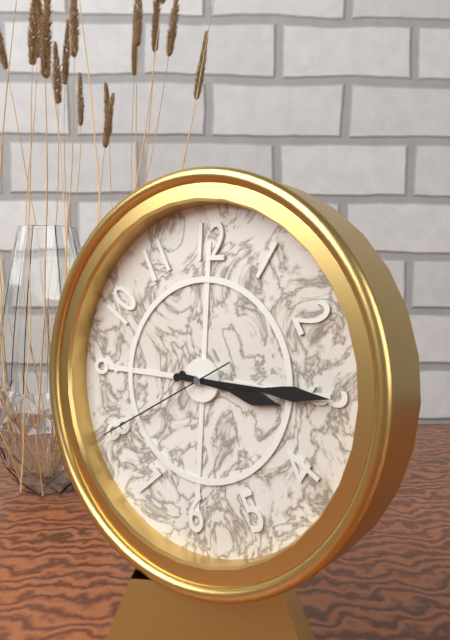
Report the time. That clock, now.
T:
3:15:40
